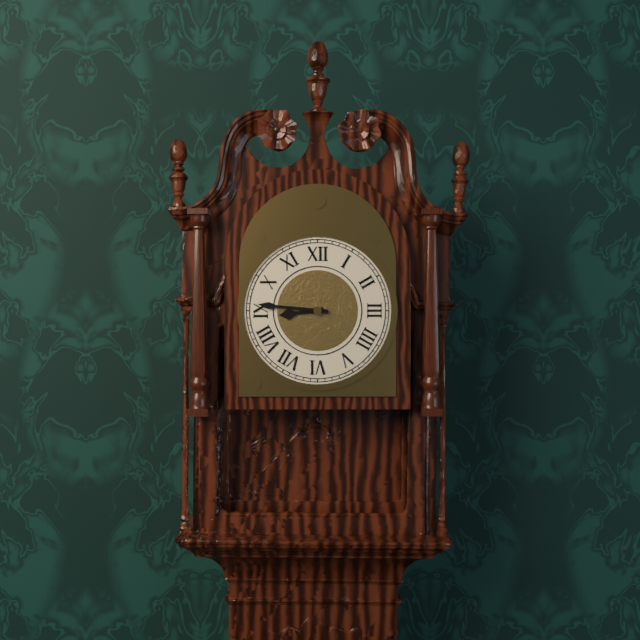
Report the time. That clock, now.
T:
8:46
